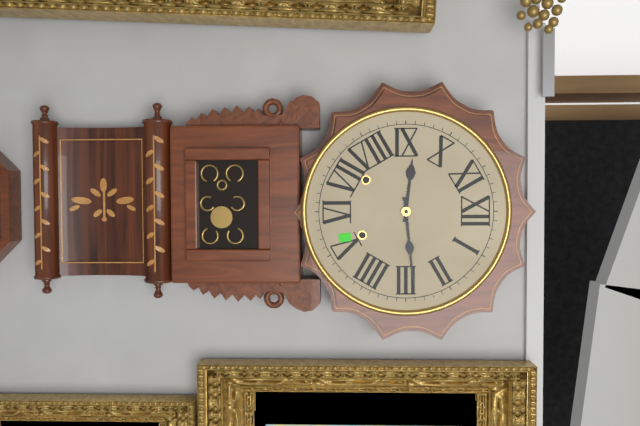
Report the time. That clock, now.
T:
9:14
